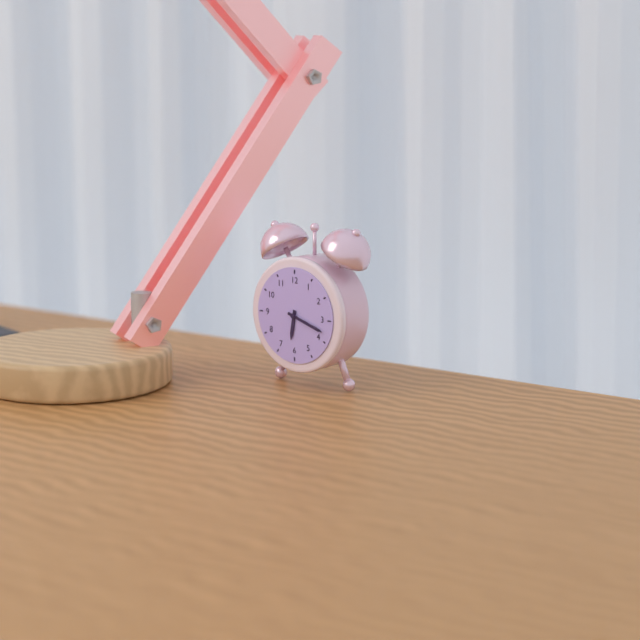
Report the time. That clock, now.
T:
6:18
